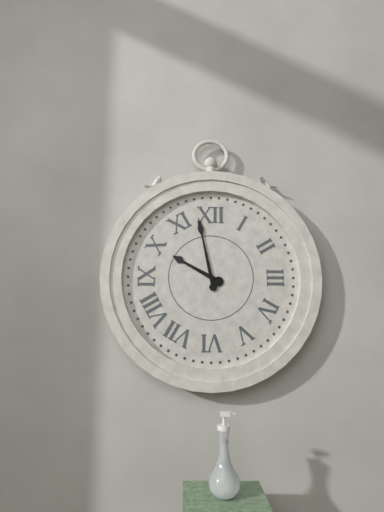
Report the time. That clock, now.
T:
9:58
